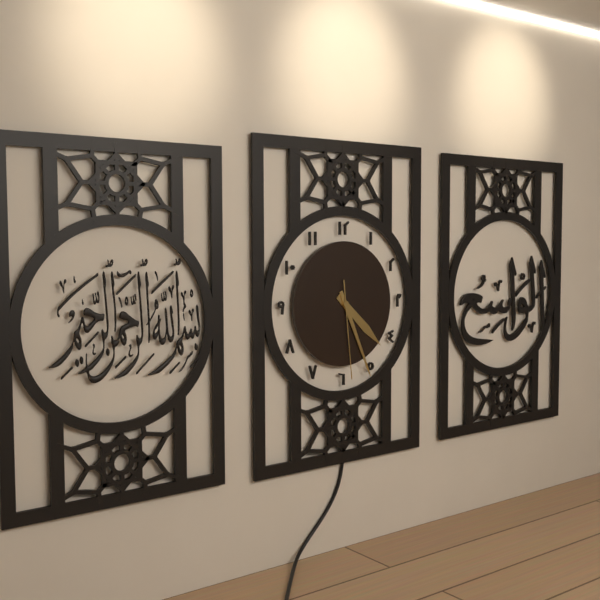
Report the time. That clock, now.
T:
4:26:29
